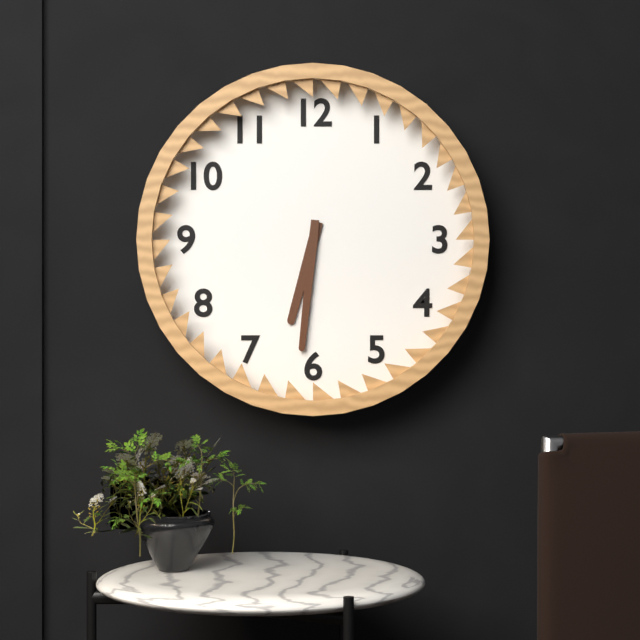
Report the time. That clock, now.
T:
6:31
